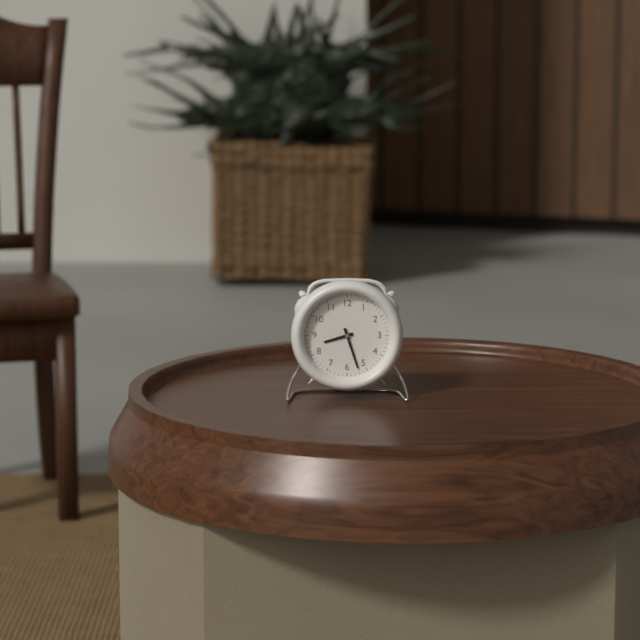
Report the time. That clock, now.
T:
8:27
